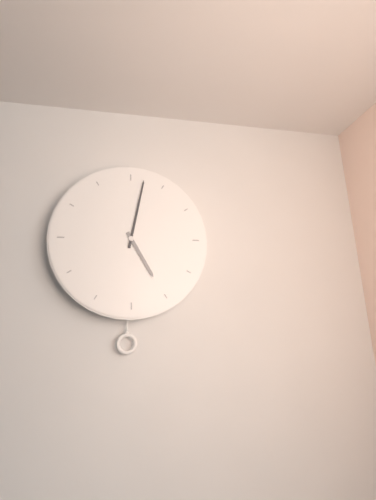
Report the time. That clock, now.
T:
5:02
